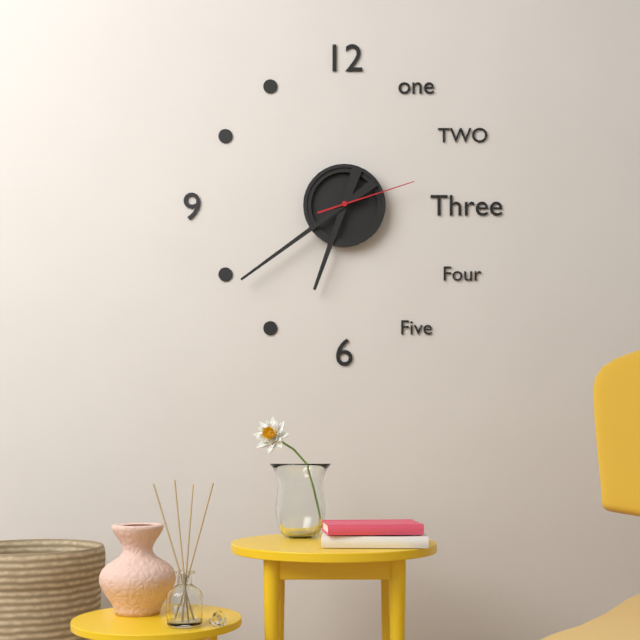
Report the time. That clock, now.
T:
6:39:12
